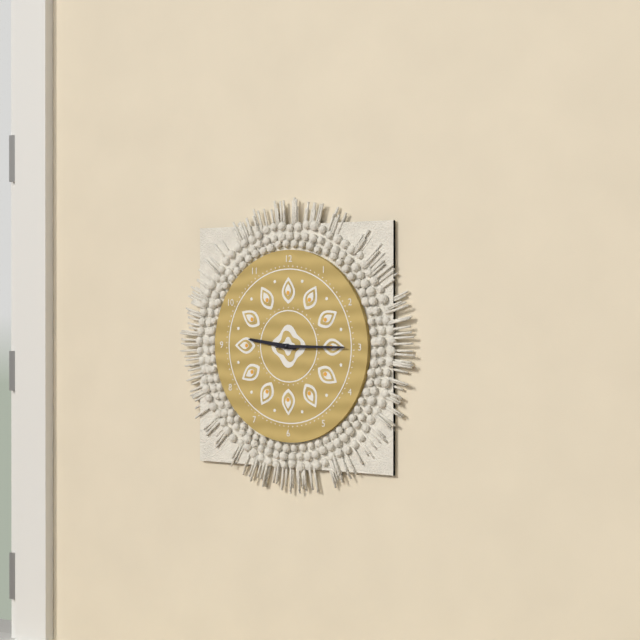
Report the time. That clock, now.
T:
9:15
